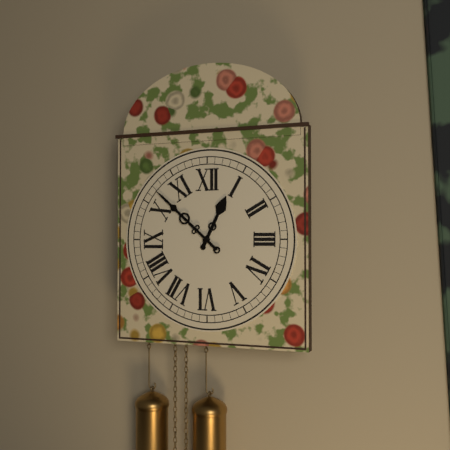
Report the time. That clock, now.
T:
12:52
